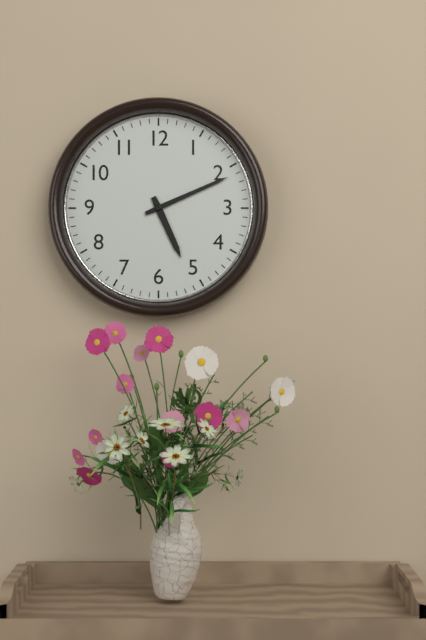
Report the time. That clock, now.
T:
5:11
